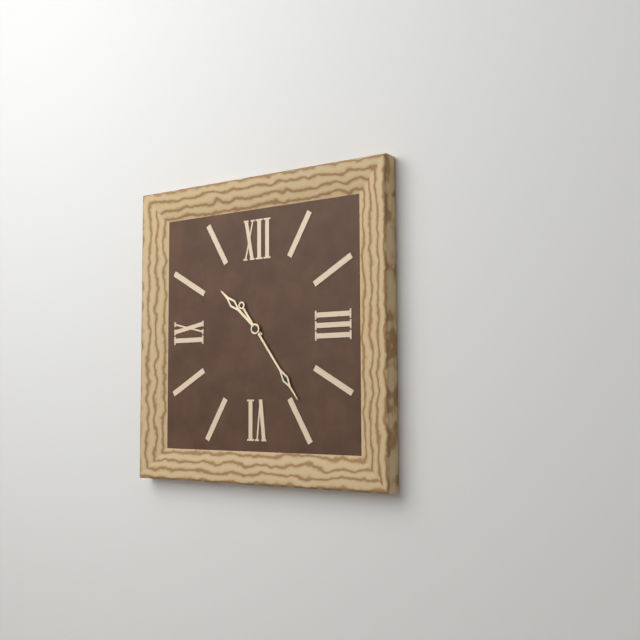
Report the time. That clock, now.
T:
10:24
